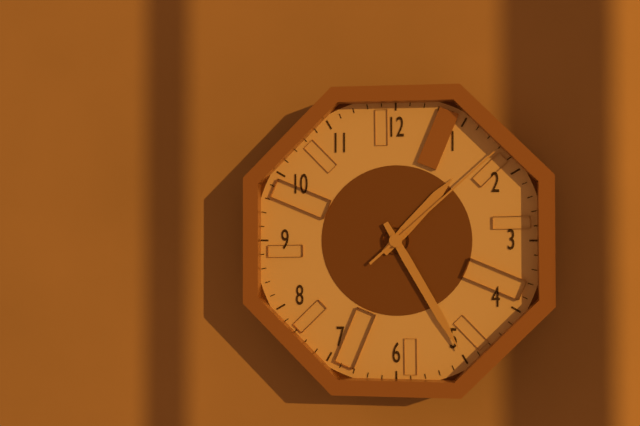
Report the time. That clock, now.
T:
1:25:08
